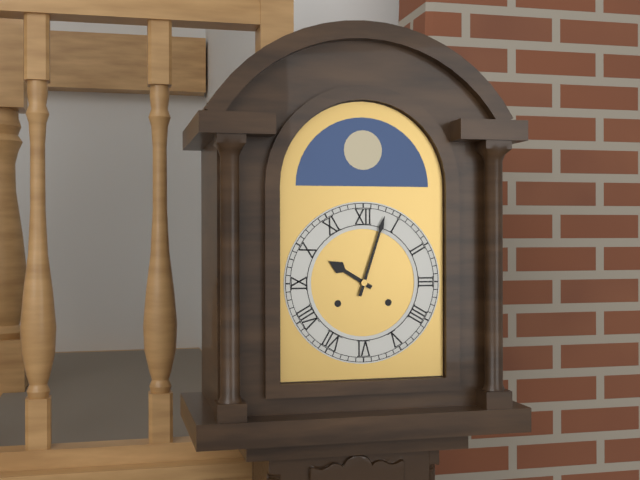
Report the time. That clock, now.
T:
10:03
